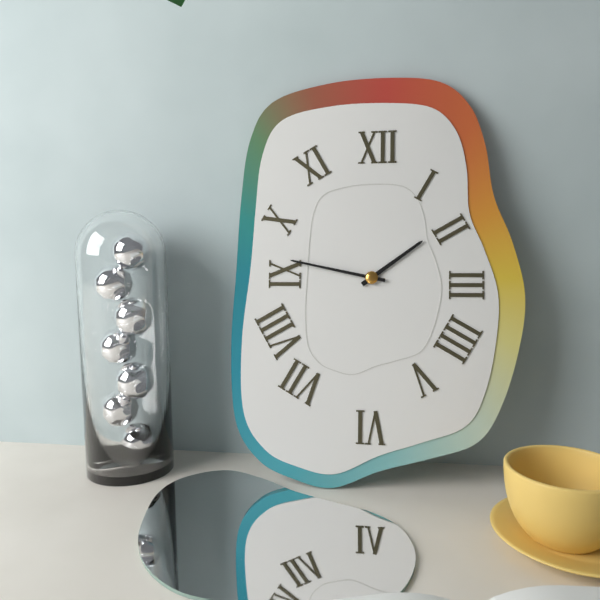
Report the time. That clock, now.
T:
1:47
